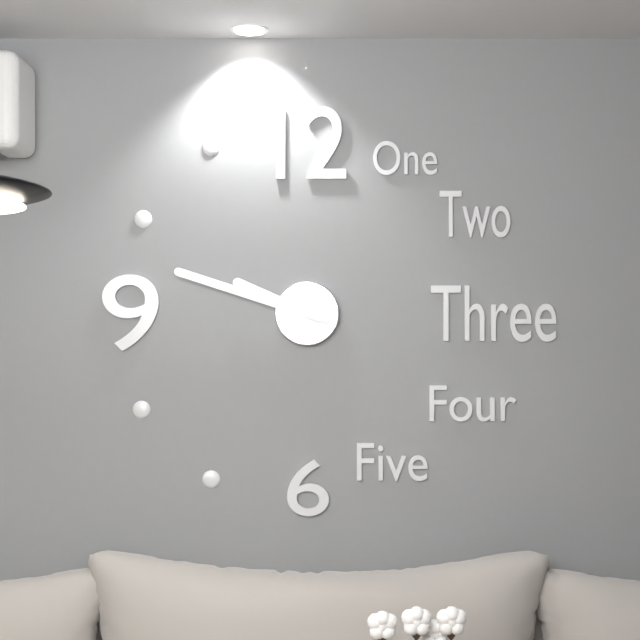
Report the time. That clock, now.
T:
9:48
